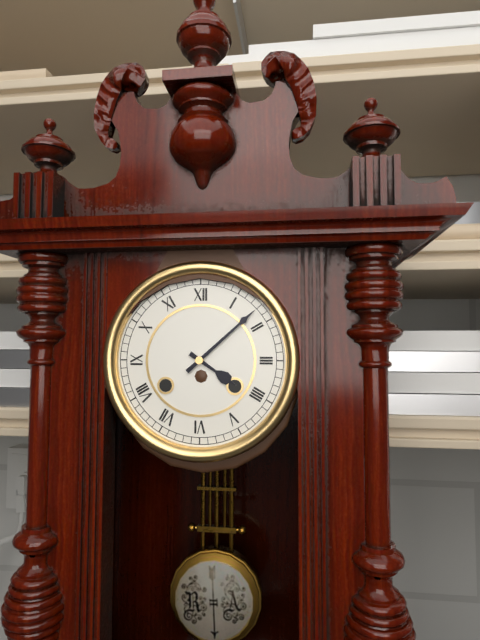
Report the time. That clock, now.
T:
4:08
